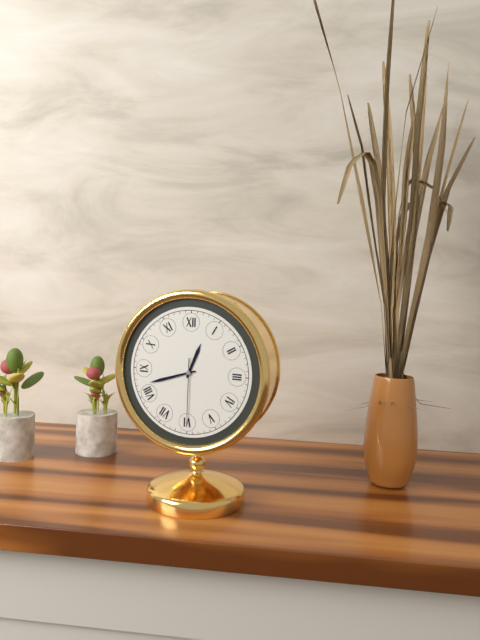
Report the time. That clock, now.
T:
12:42:30
